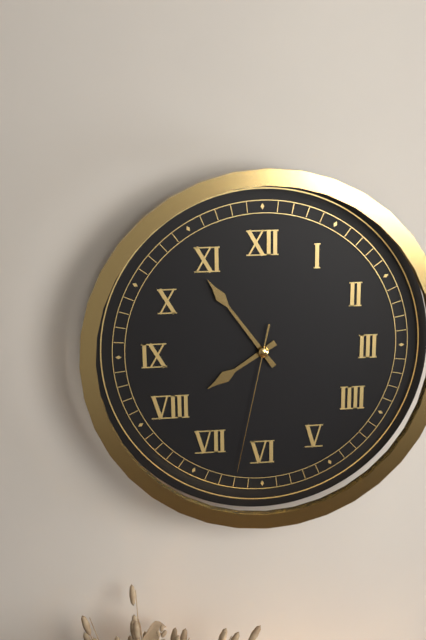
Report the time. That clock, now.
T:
7:54:32
